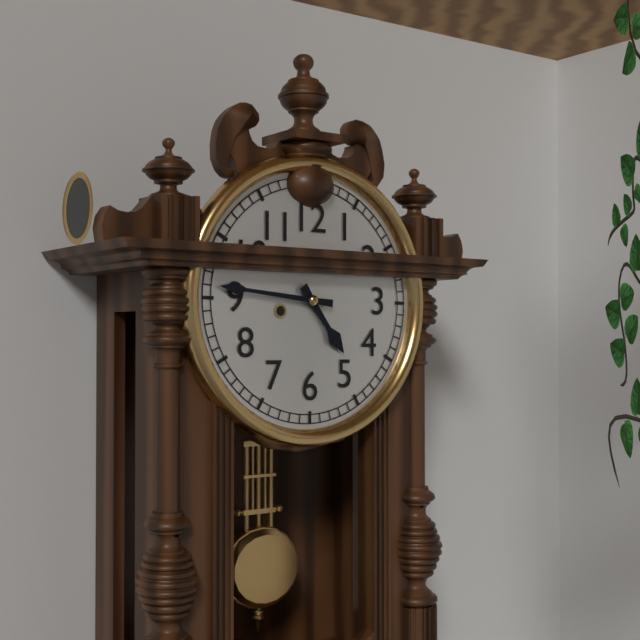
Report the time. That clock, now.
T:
4:46
